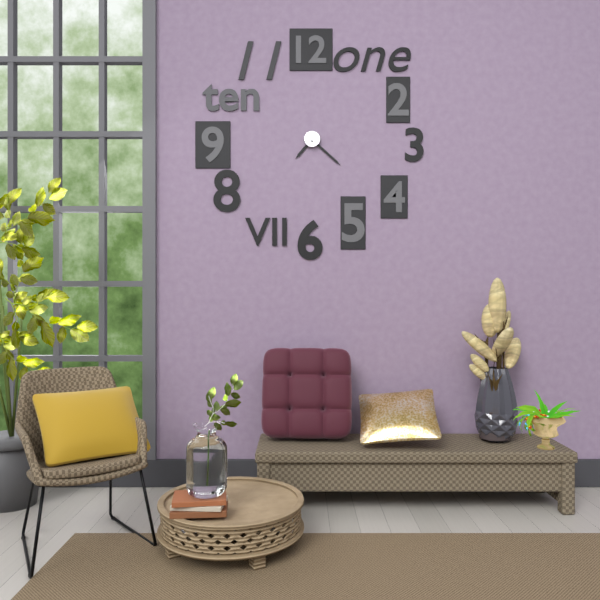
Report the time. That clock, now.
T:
7:22
